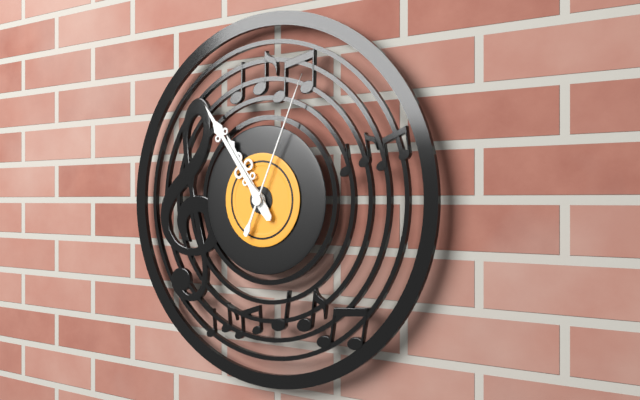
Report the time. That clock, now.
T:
10:54:04
